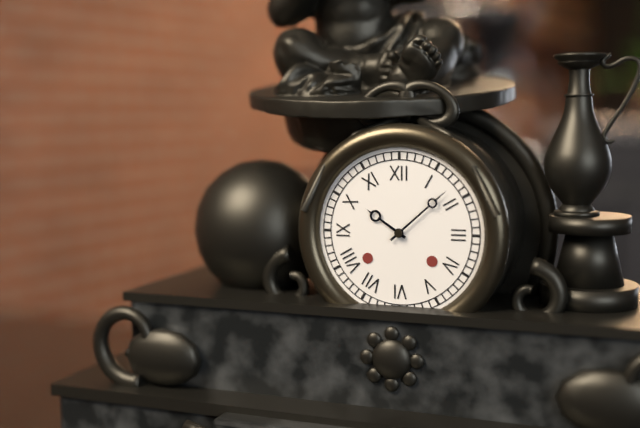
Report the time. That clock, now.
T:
10:08
